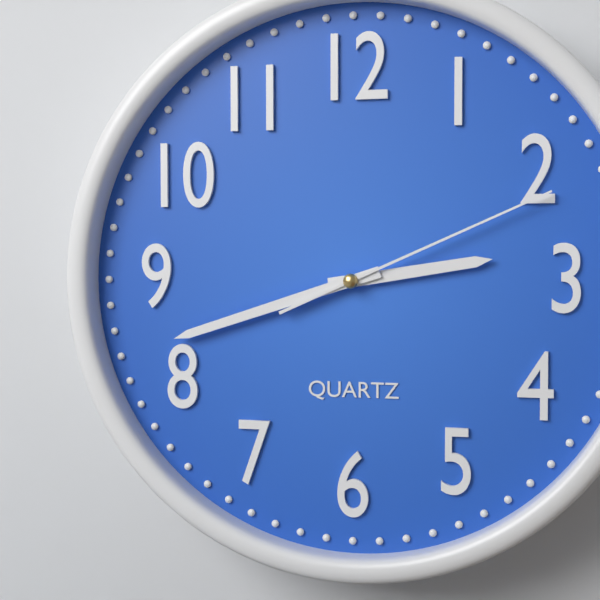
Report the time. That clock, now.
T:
2:42:11
